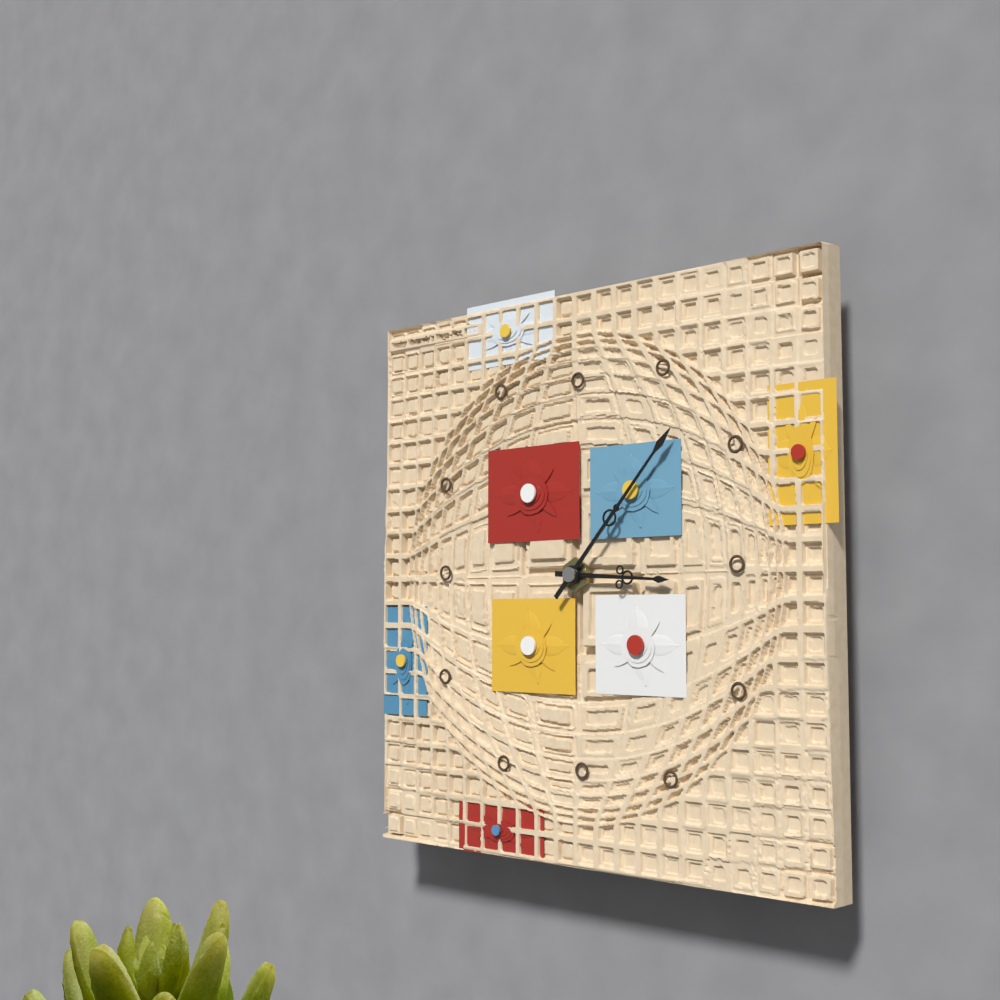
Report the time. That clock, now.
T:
3:07
